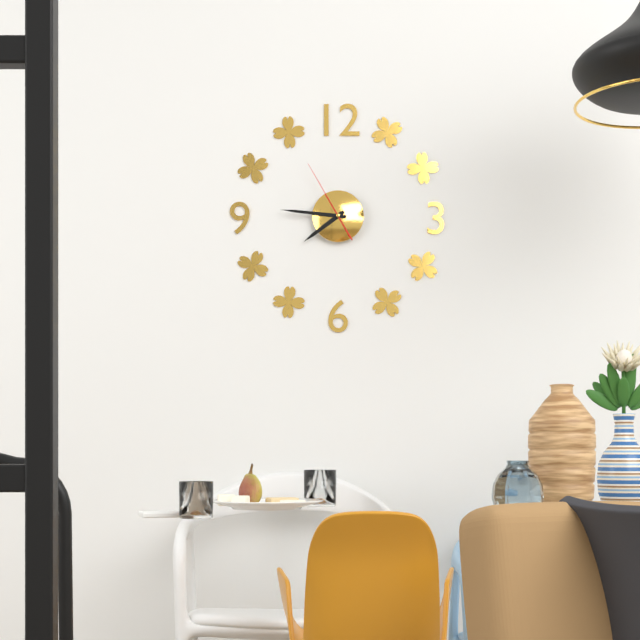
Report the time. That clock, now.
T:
7:46:55
